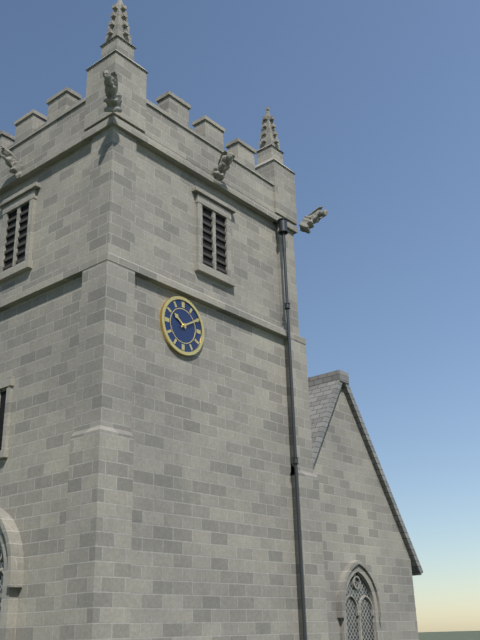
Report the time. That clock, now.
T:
10:10
